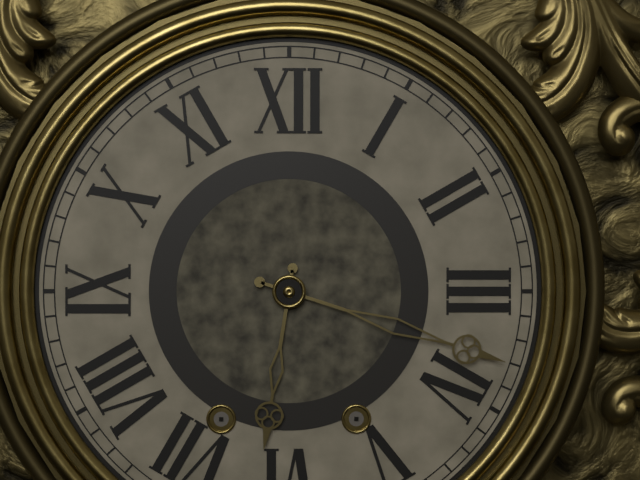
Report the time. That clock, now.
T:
6:18
